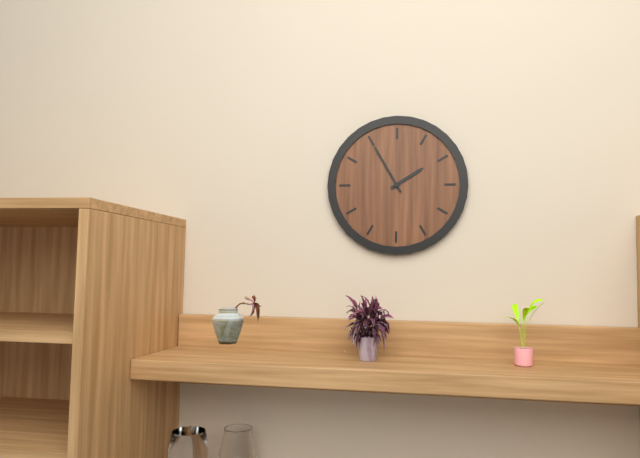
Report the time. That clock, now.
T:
1:55
